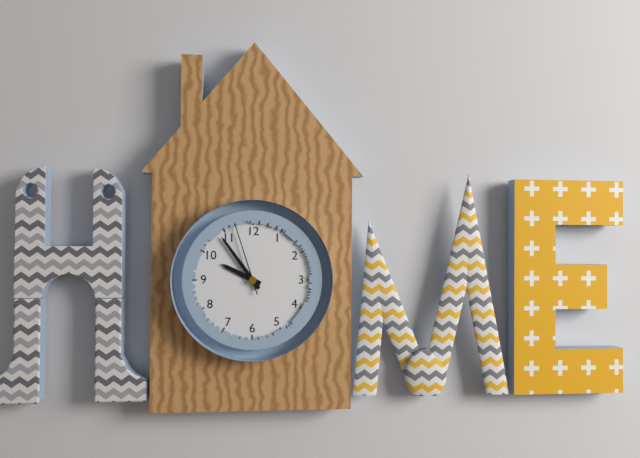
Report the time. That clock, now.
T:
9:54:57
